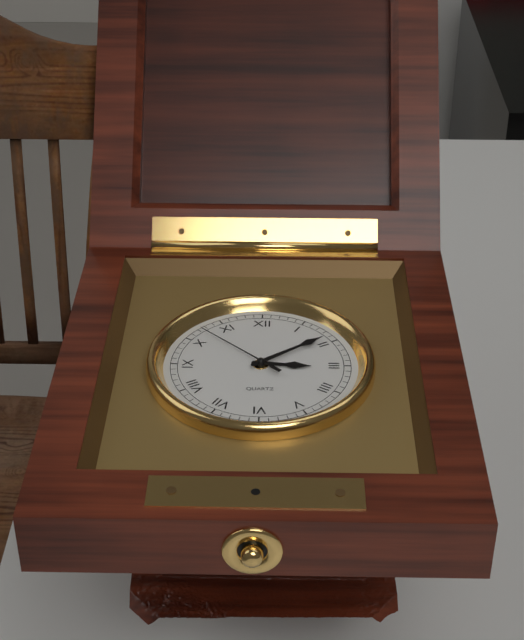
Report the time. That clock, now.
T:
3:09:52
